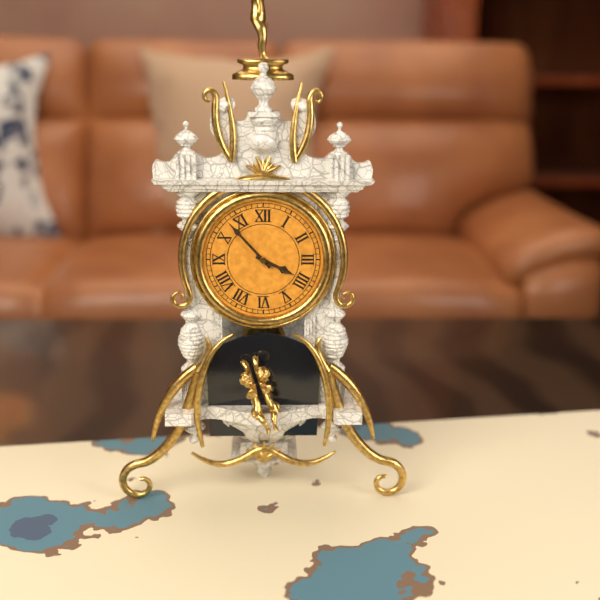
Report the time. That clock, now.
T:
3:53
